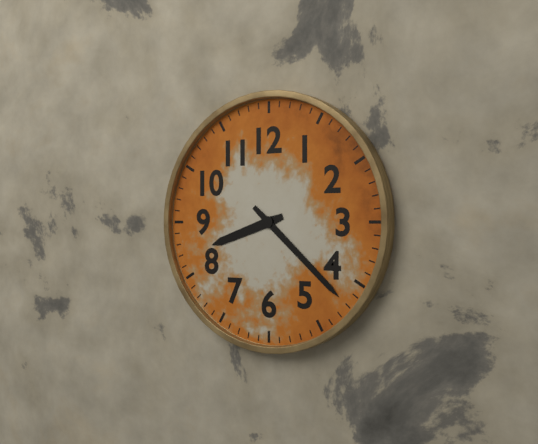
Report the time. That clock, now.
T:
8:22
